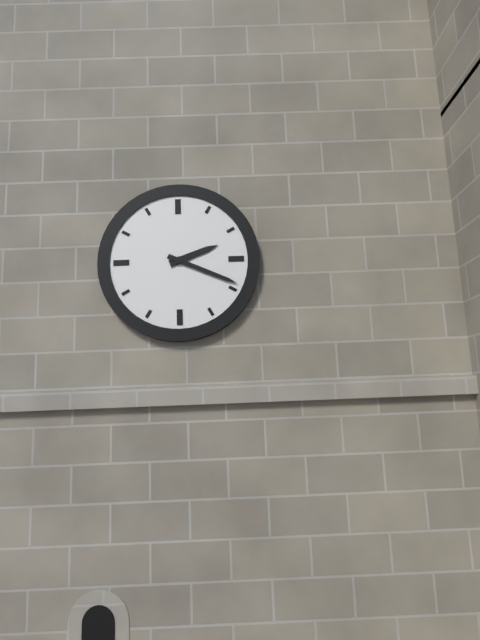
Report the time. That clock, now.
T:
2:19
